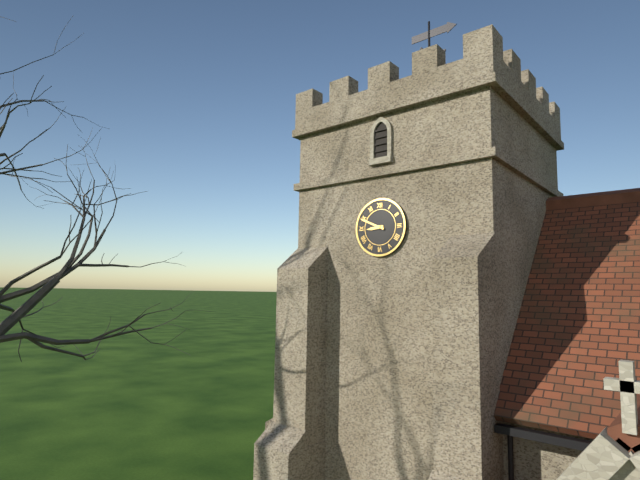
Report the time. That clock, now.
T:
8:49
